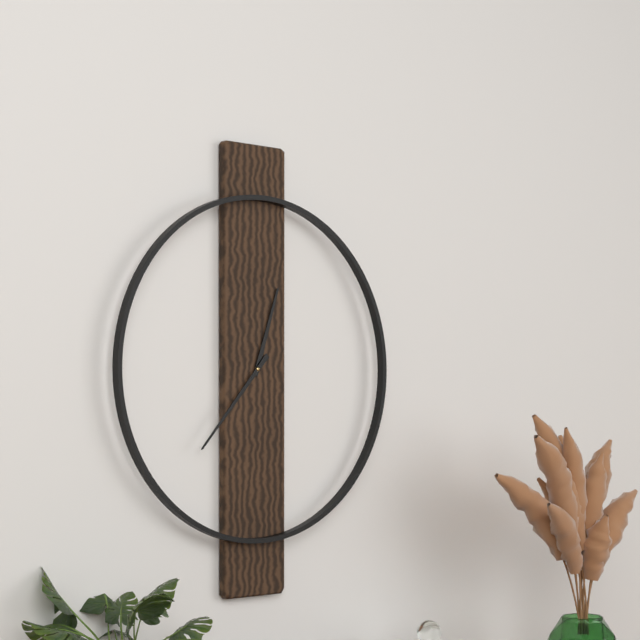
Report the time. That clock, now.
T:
12:37
